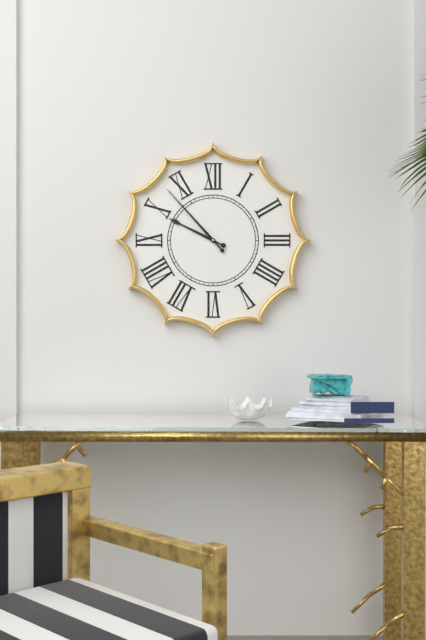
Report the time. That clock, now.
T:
9:53
